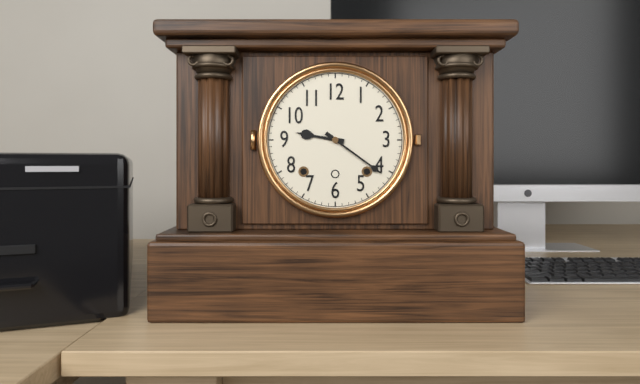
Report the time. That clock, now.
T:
9:21
